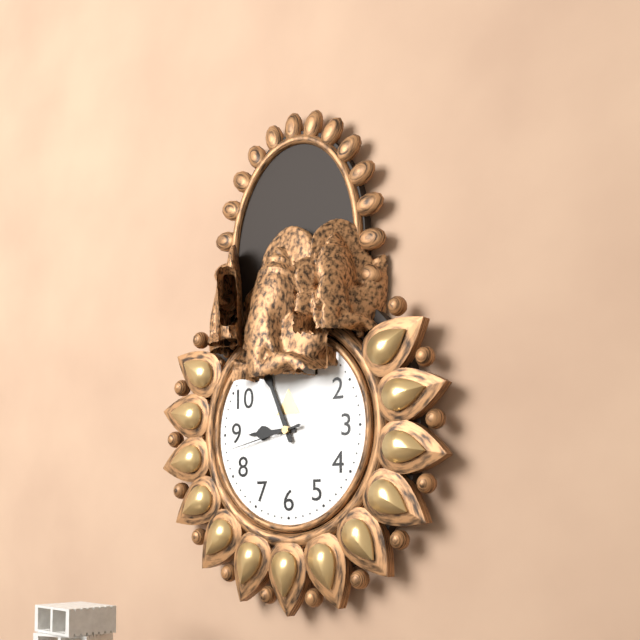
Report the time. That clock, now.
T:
8:56:43
